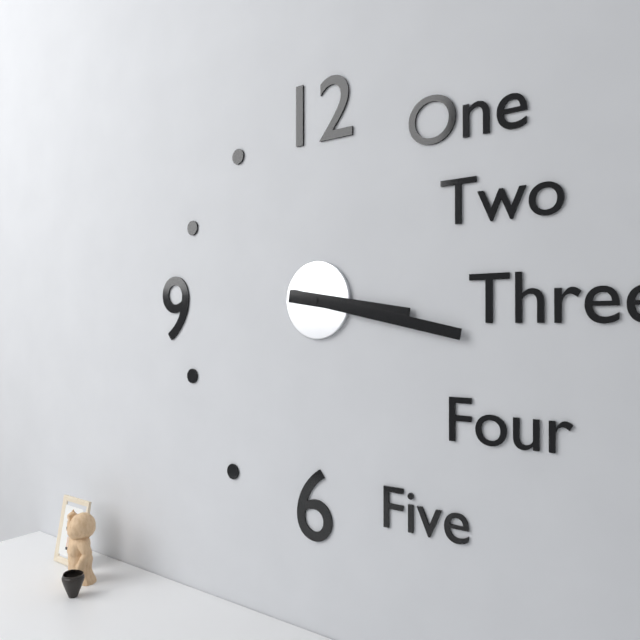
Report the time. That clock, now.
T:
3:17
